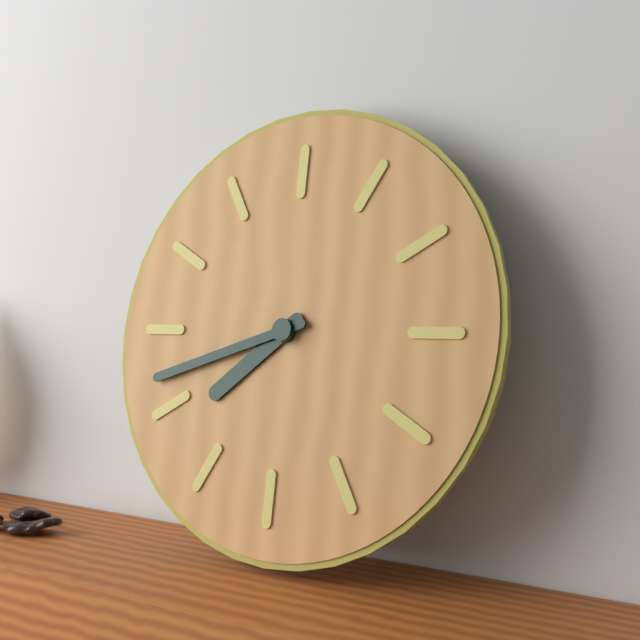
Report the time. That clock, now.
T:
7:42
